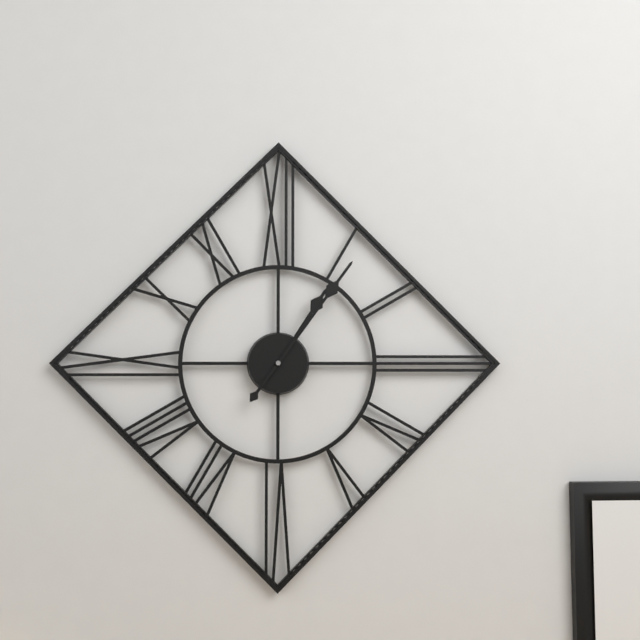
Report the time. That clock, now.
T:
1:06
